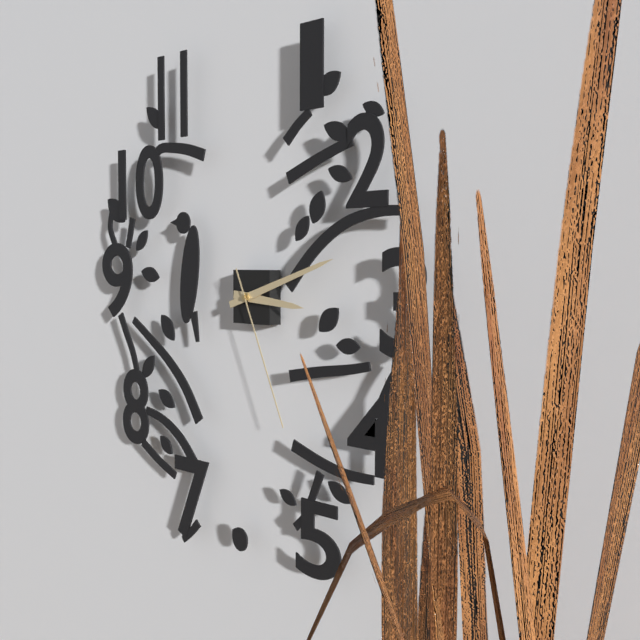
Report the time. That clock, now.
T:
3:12:26
